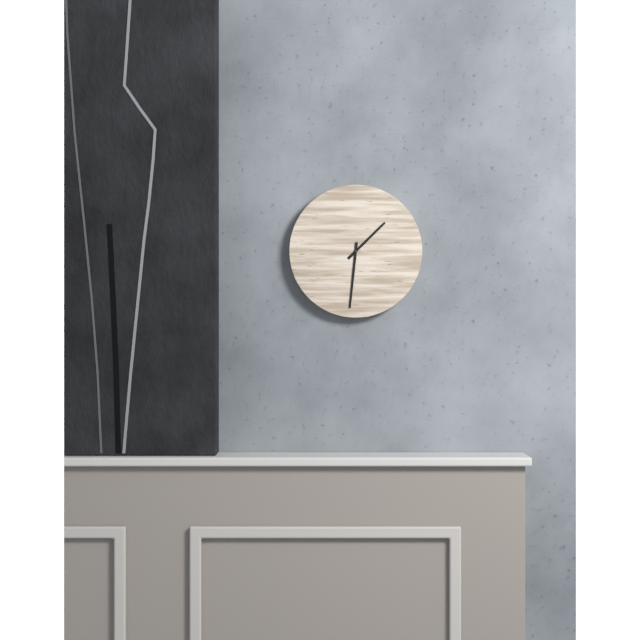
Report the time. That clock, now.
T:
1:31
